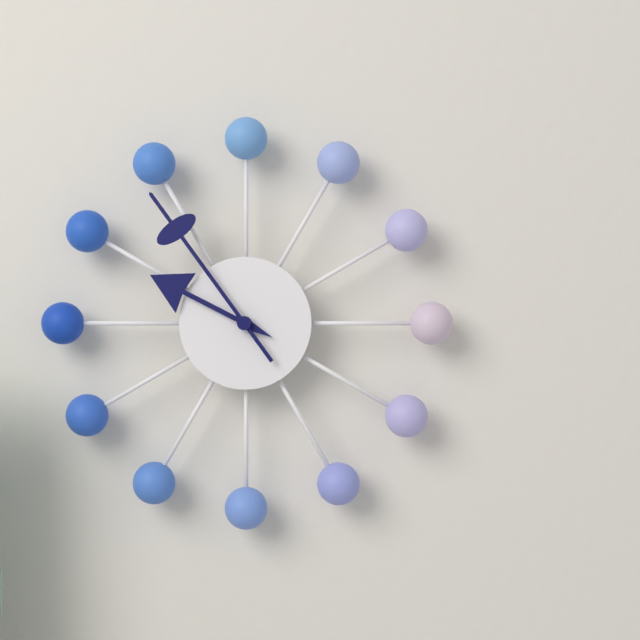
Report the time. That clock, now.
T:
9:54
